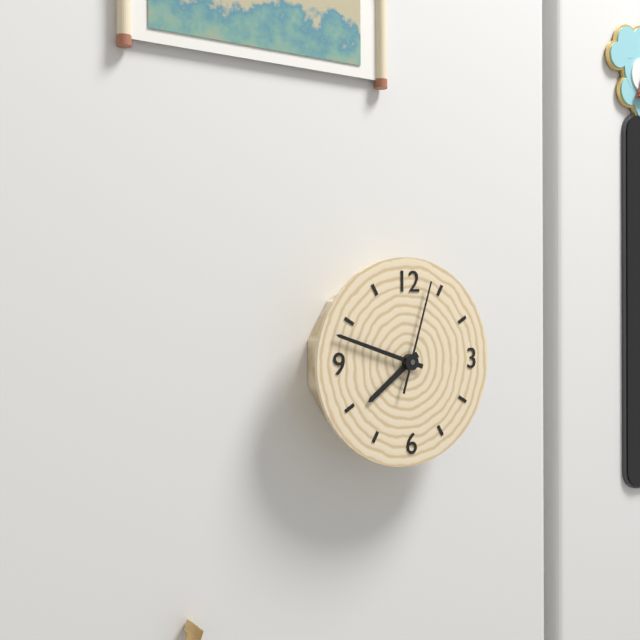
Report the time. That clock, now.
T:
7:48:03
